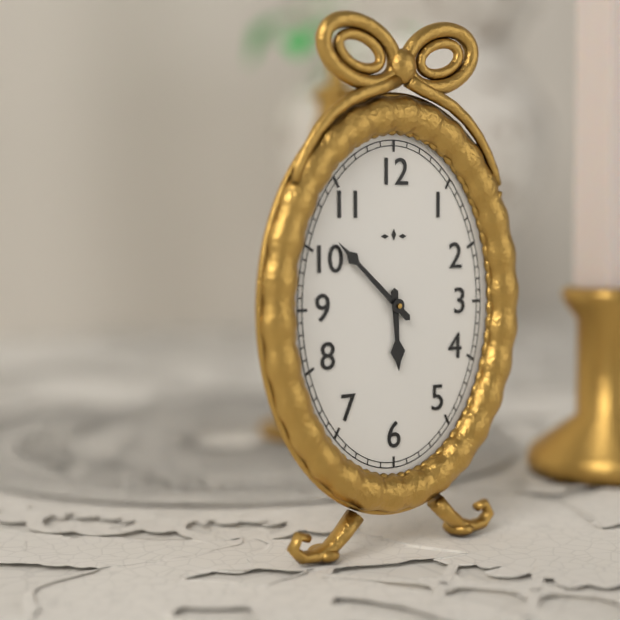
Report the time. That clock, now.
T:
5:52
